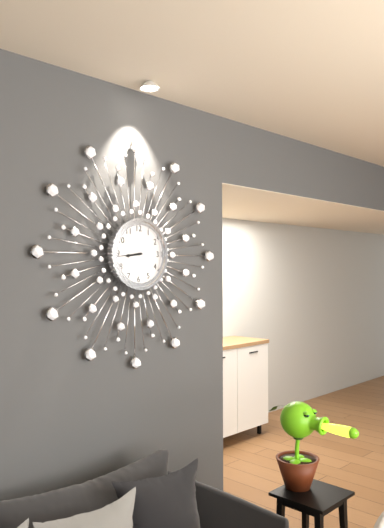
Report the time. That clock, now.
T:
8:44
